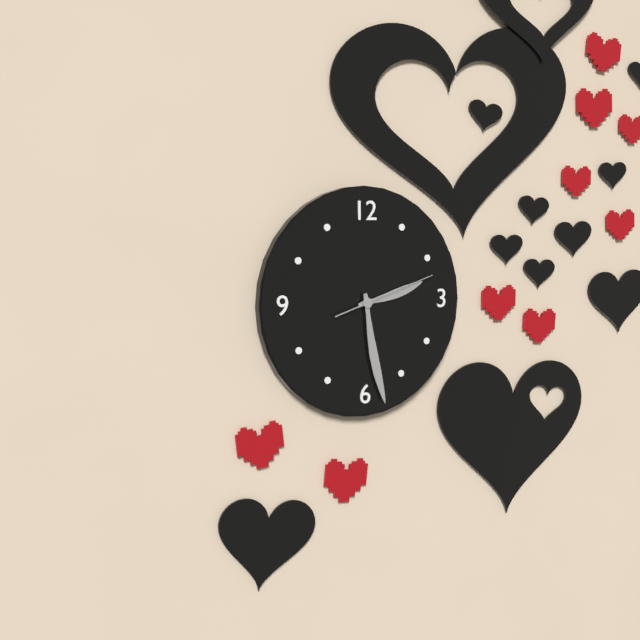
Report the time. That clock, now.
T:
2:28:12
